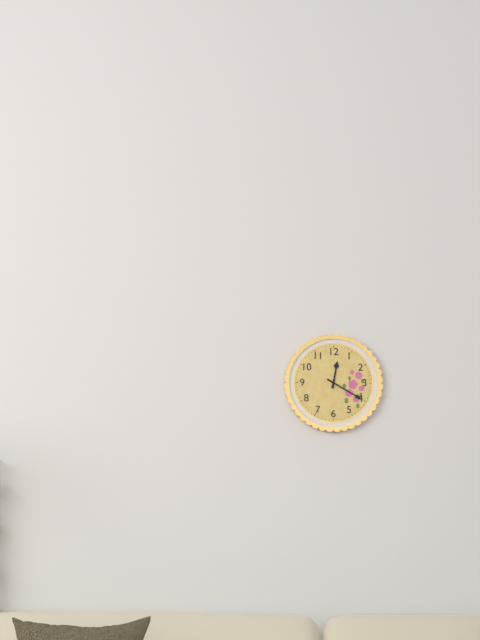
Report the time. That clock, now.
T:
12:20
